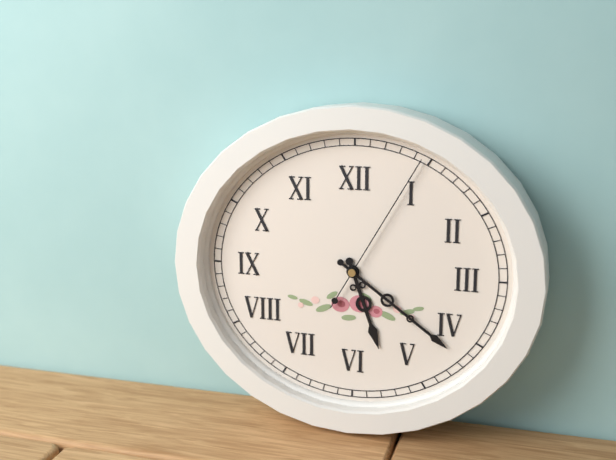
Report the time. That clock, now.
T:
5:21:05
